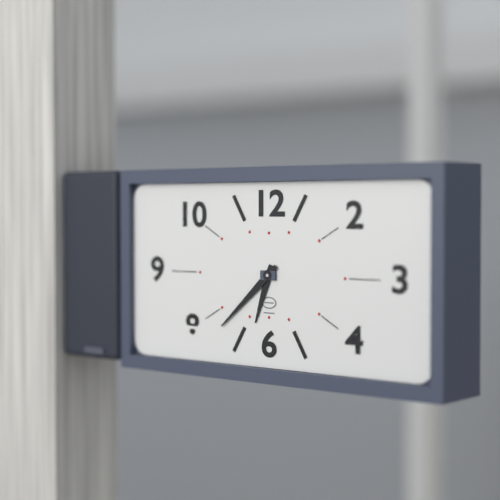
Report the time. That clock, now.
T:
6:38
